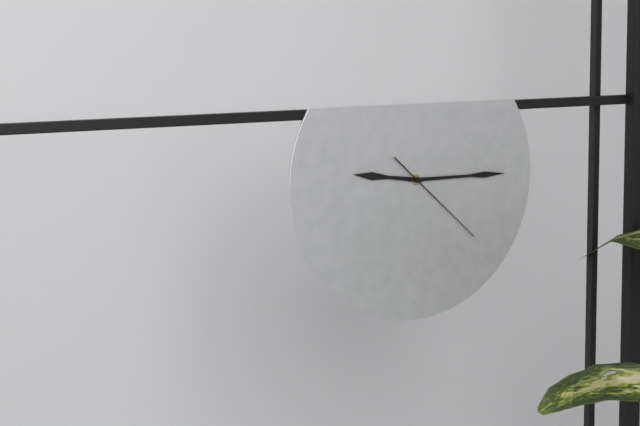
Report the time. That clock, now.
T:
9:15:22
